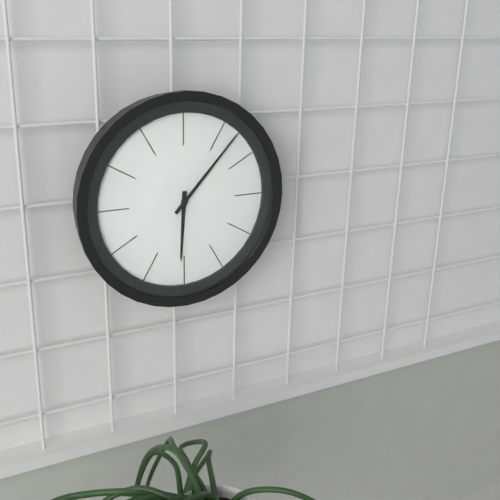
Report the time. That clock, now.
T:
6:07
